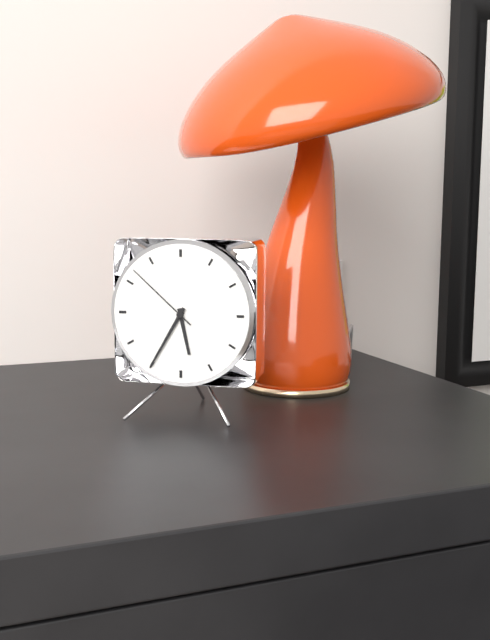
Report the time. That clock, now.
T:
5:35:52
